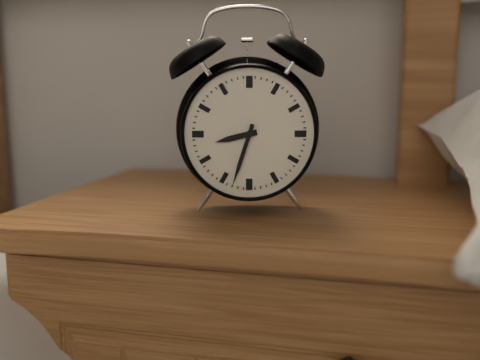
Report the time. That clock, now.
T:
8:33
